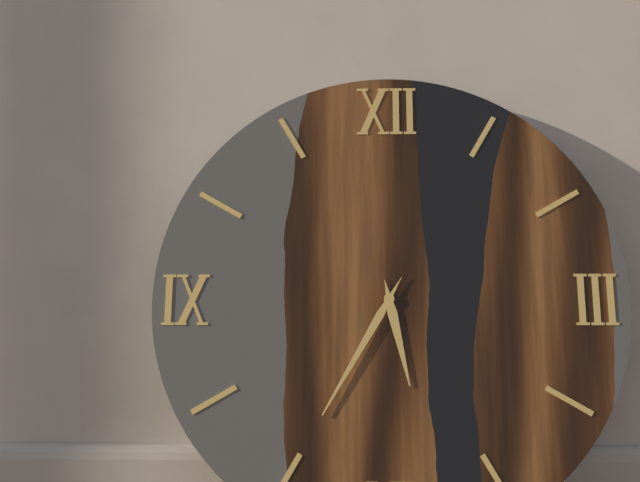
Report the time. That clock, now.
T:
5:35
